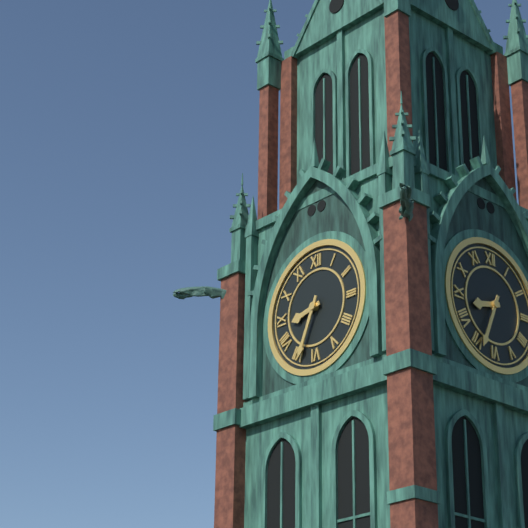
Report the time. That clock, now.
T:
8:34
